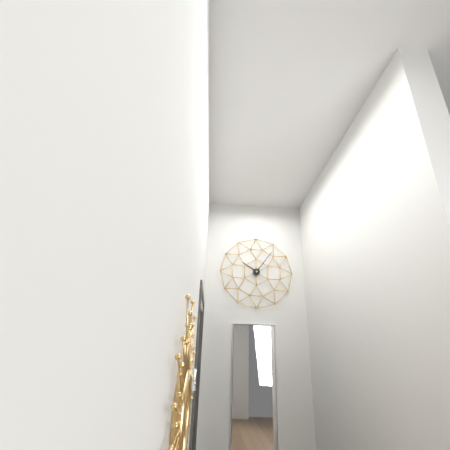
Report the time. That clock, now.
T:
10:06
